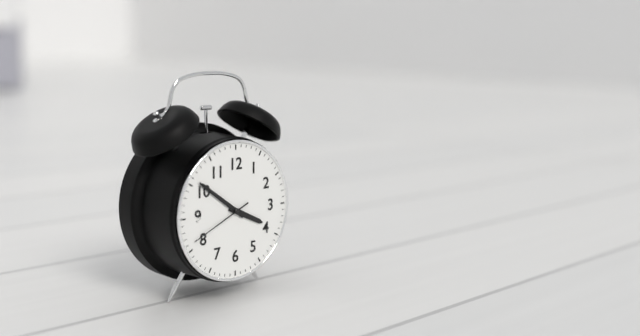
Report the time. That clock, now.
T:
3:51:41
